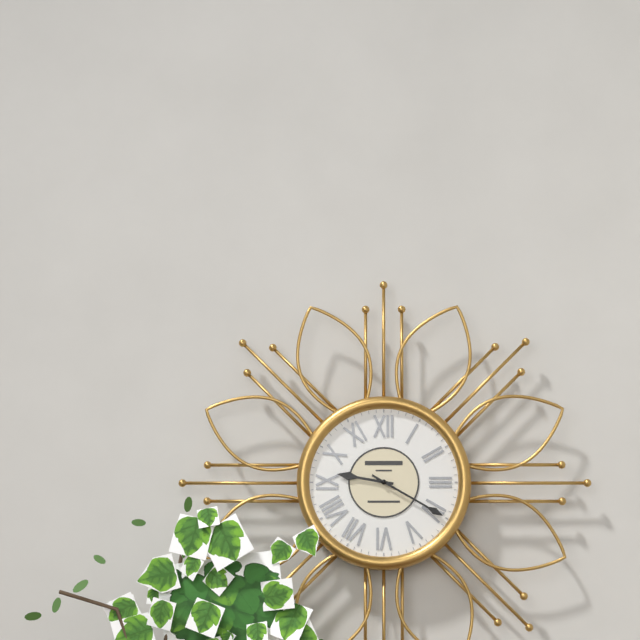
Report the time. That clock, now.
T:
9:20
